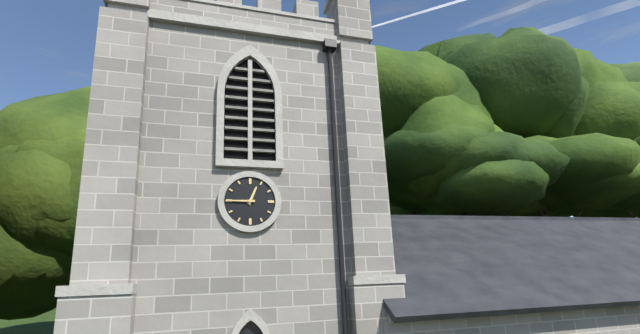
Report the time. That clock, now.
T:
12:45
